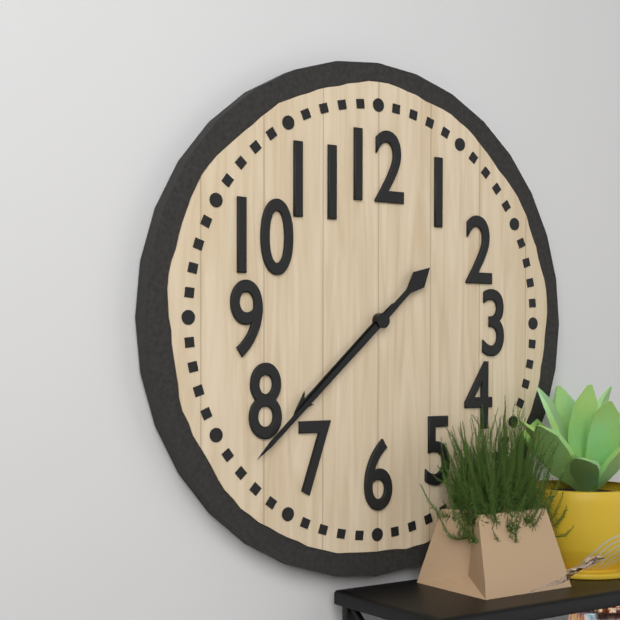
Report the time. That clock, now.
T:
7:38
